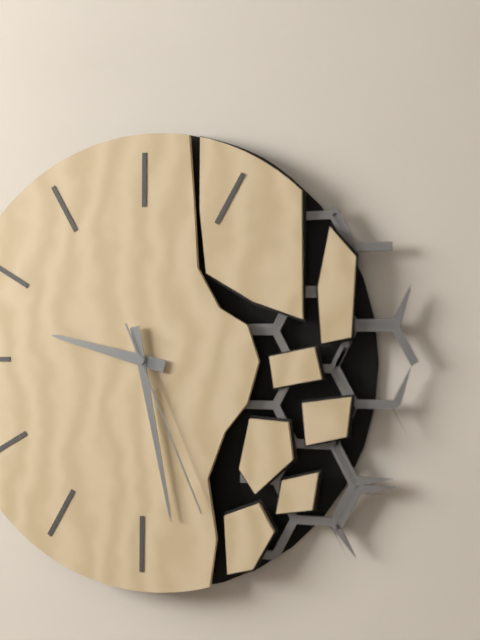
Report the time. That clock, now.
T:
9:28:26
